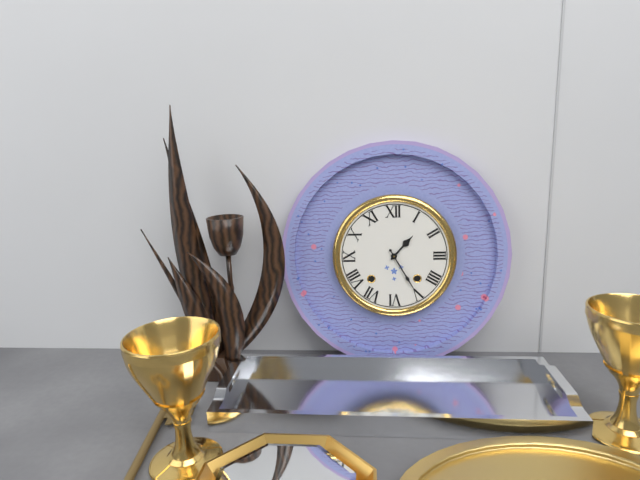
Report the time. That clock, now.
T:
1:25
